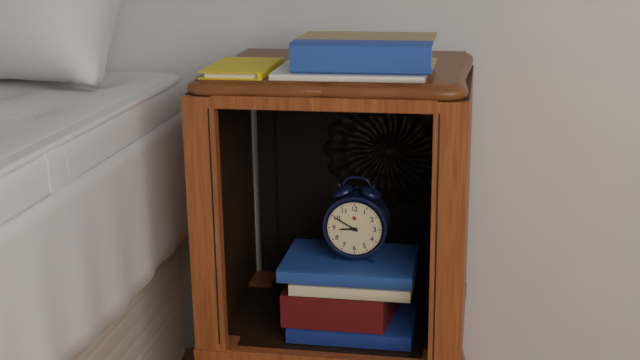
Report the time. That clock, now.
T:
8:50
